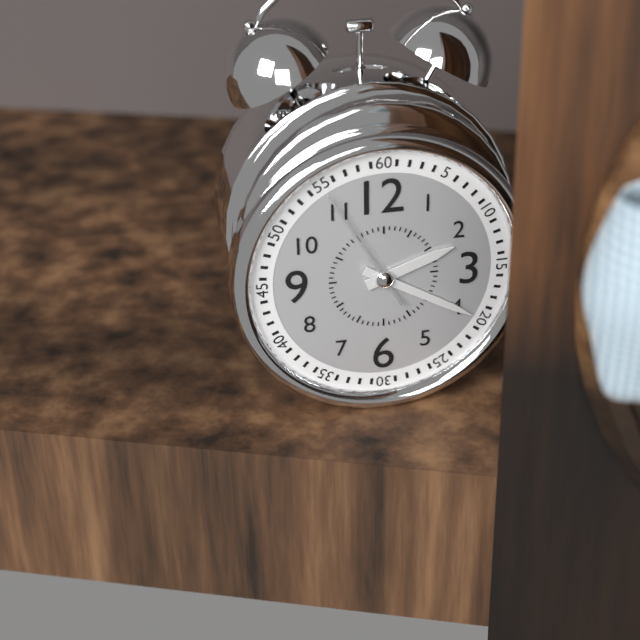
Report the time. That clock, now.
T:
2:20:55
